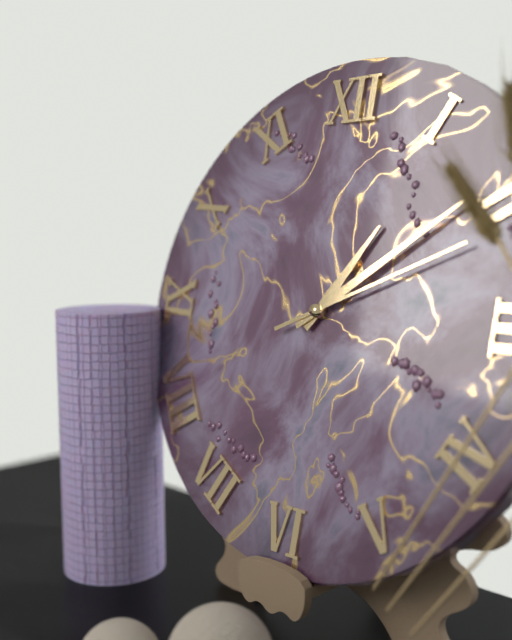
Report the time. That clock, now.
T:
1:09:11
